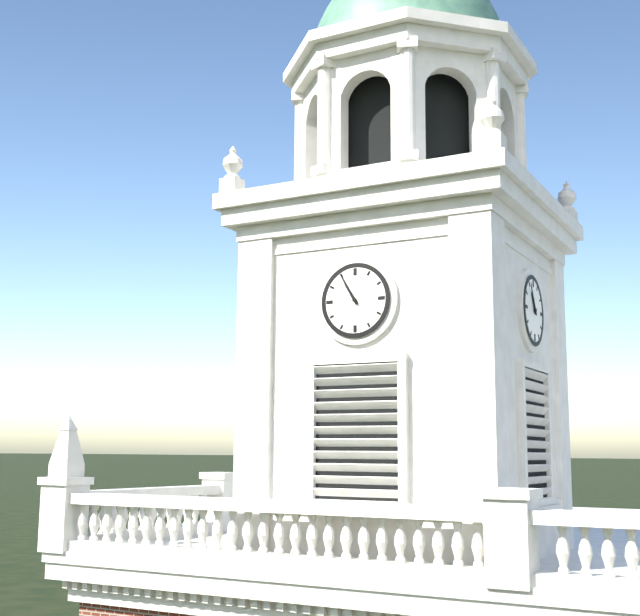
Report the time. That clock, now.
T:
10:55
